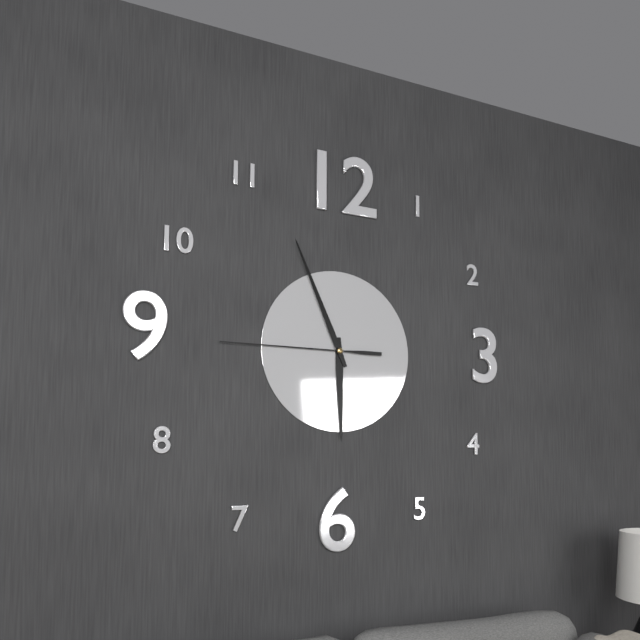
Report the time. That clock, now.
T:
5:56:45
